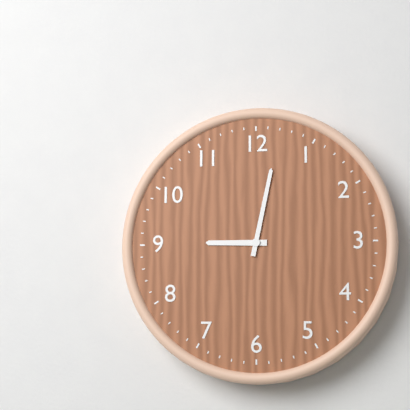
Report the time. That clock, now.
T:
9:02
